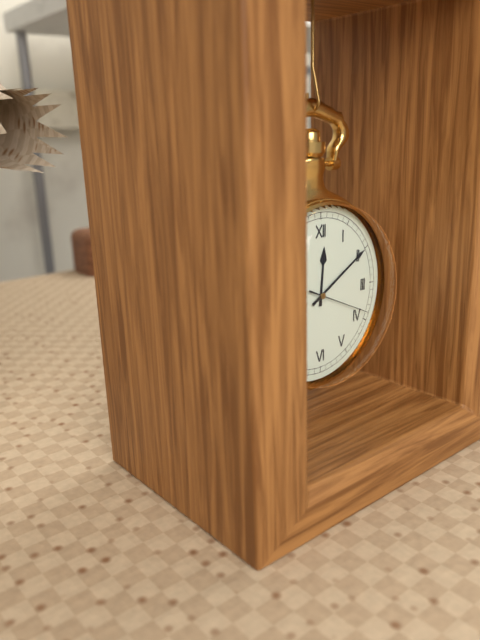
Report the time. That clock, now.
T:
12:10:19
